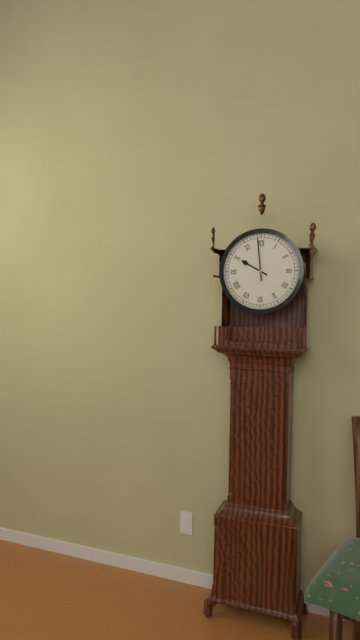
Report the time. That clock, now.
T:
9:59
